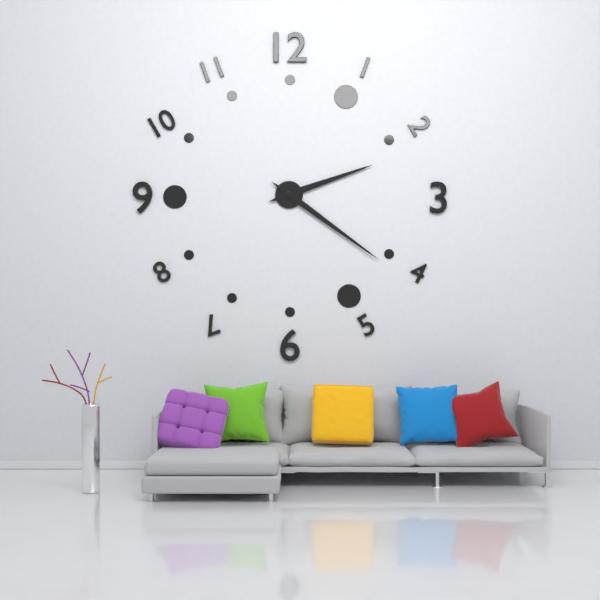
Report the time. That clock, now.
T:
2:21
